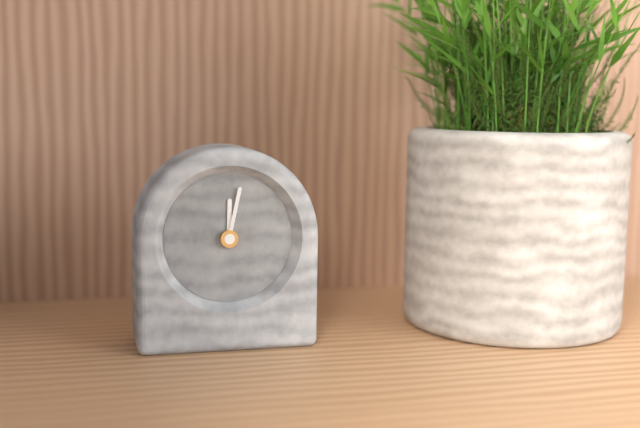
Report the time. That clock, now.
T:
12:02
